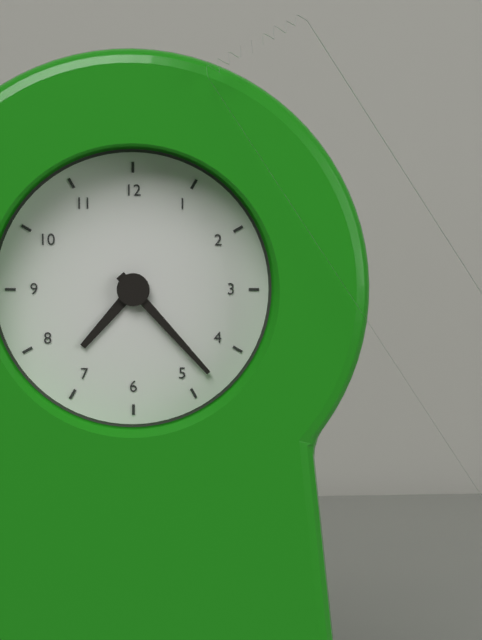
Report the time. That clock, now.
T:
7:23
